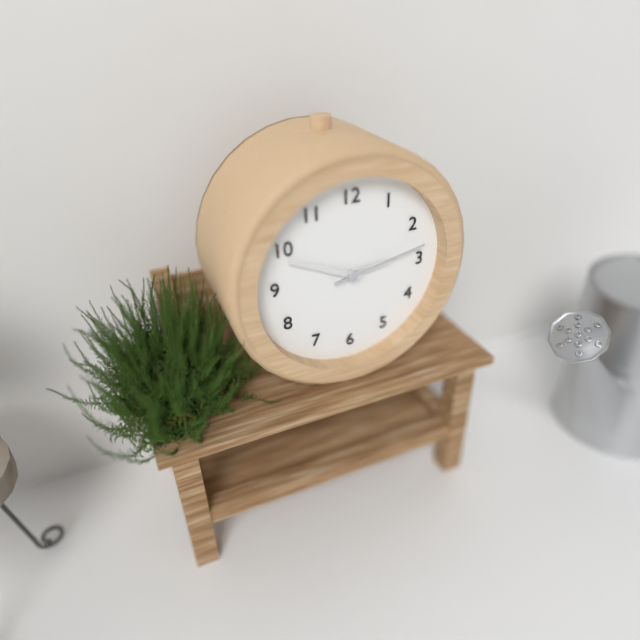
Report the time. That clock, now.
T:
2:49:13
